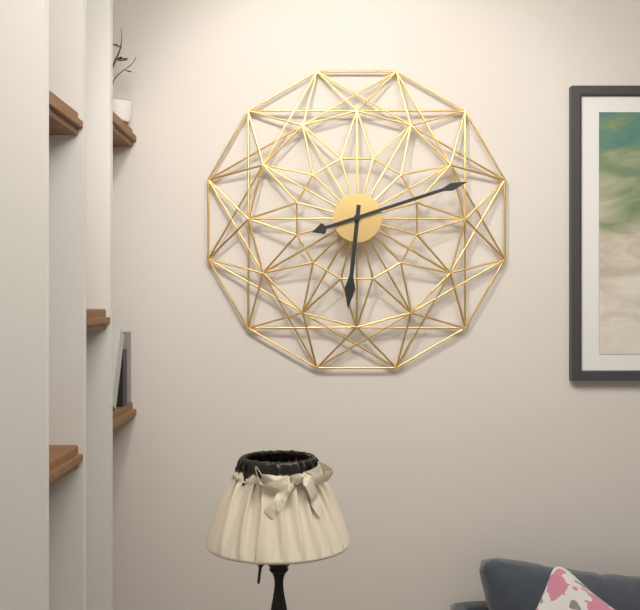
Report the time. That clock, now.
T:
6:12
